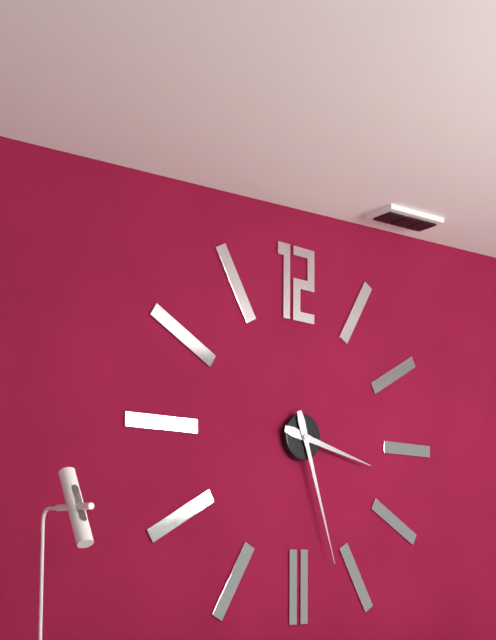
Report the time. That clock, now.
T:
3:27
